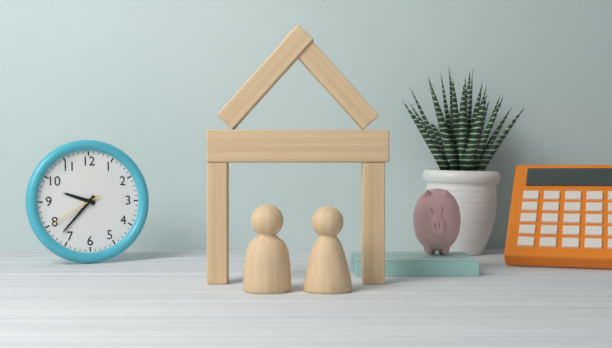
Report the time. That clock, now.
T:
9:37:40
